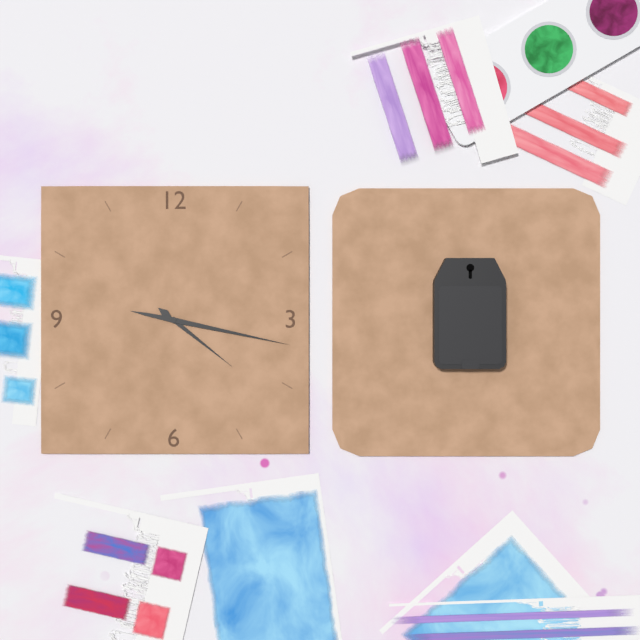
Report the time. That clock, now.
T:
4:17
